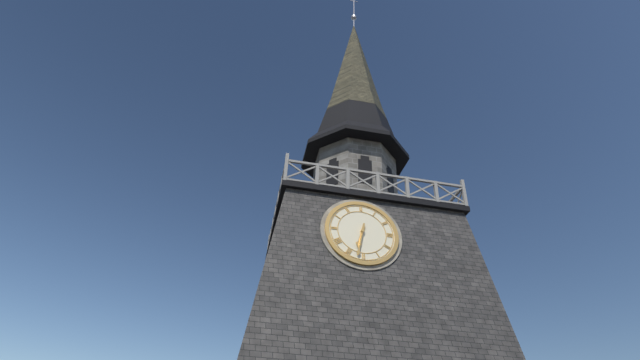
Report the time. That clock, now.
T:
6:32
